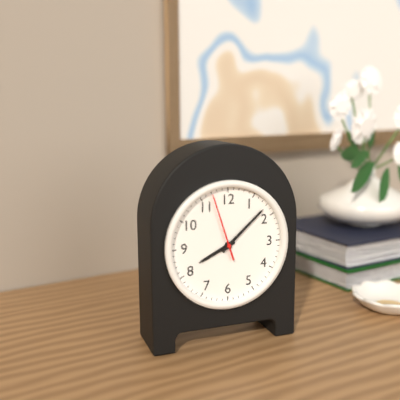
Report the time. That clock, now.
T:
8:08:57
